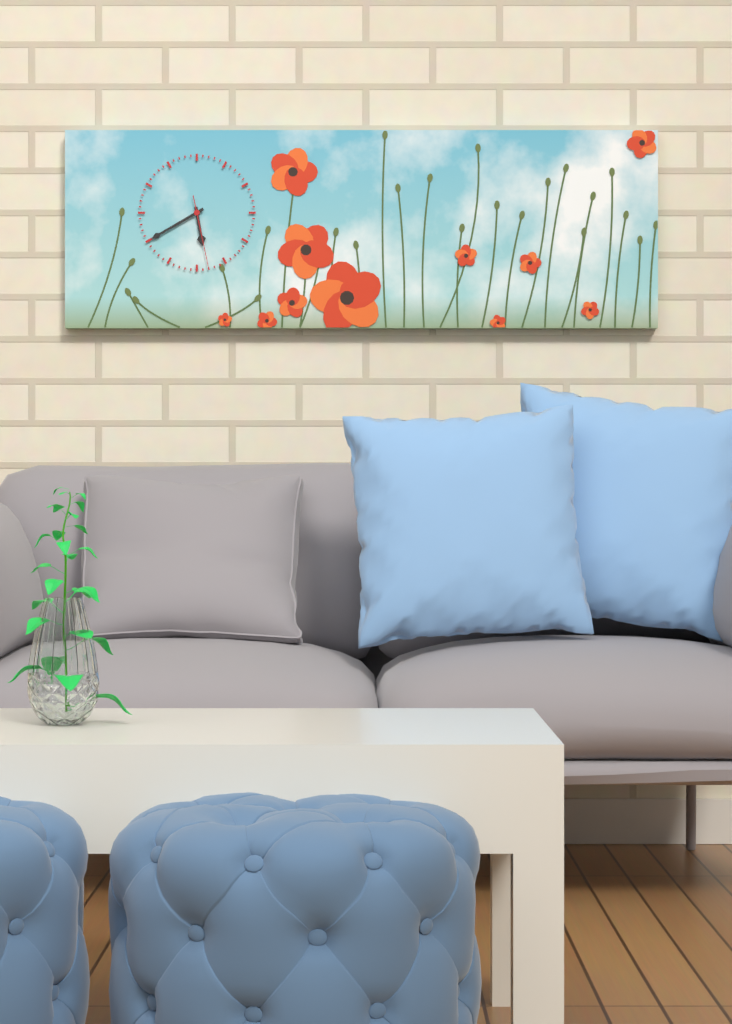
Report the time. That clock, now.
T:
5:40:28
